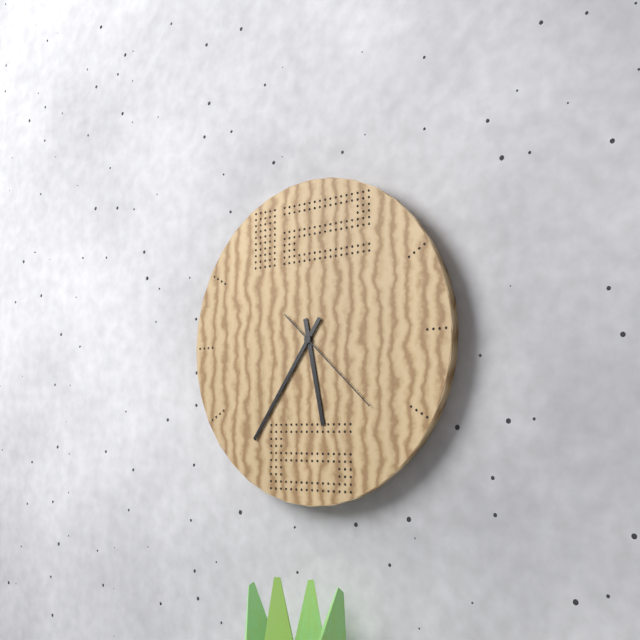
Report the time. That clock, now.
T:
5:36:22
